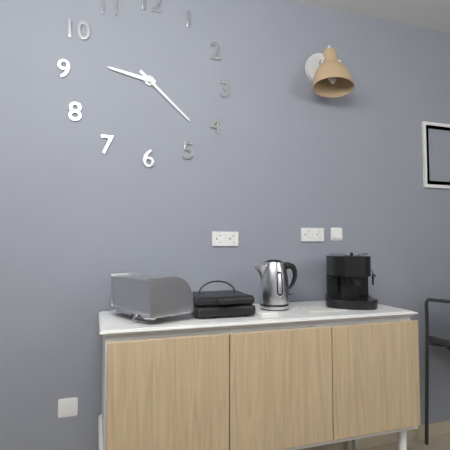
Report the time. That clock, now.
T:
9:22
